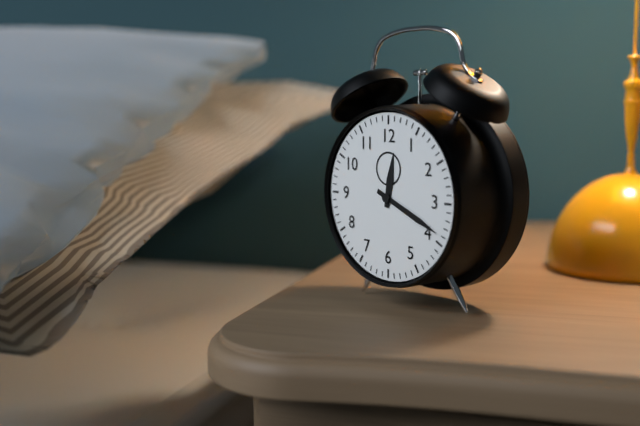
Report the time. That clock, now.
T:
12:19
